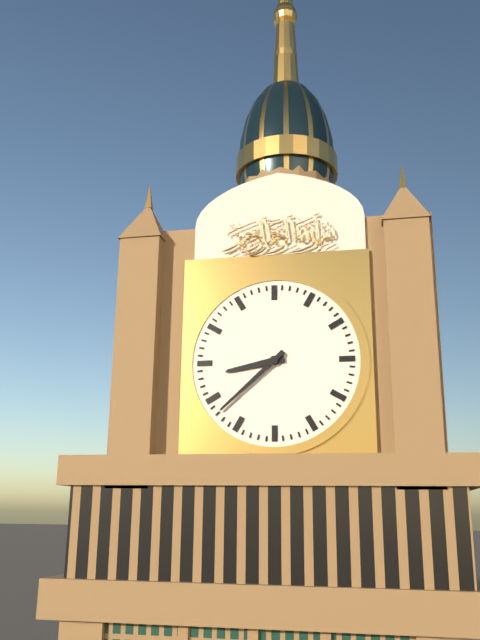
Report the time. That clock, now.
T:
8:38
